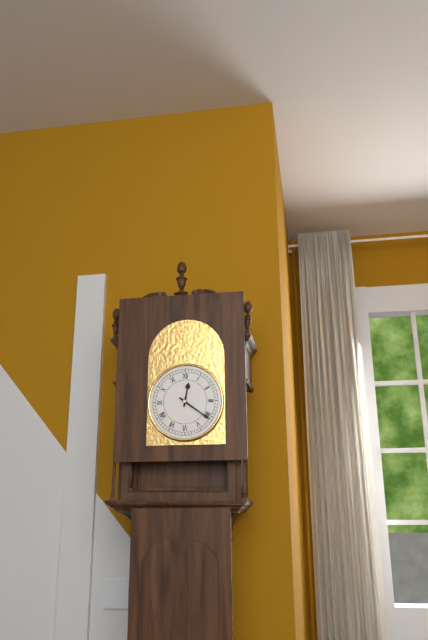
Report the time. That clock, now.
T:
12:21
